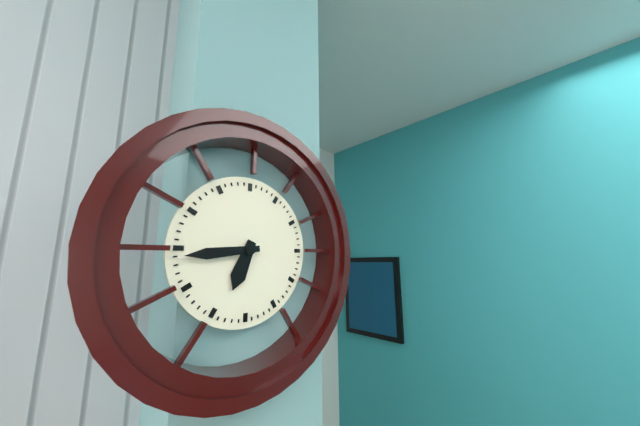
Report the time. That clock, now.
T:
6:44
